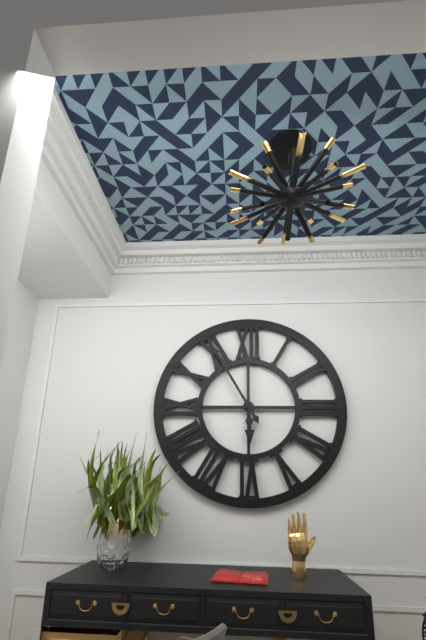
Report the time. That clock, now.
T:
5:55
